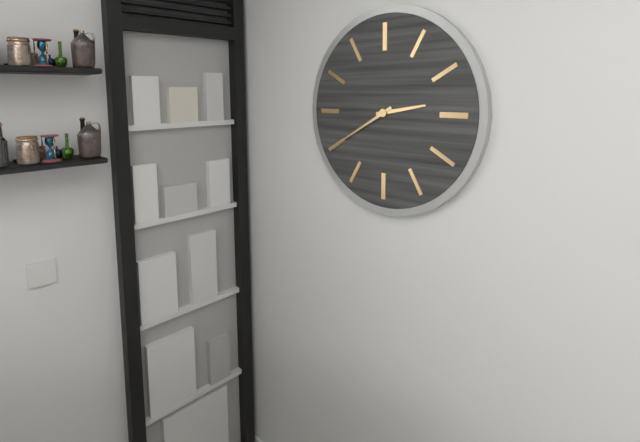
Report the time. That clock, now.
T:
2:40
